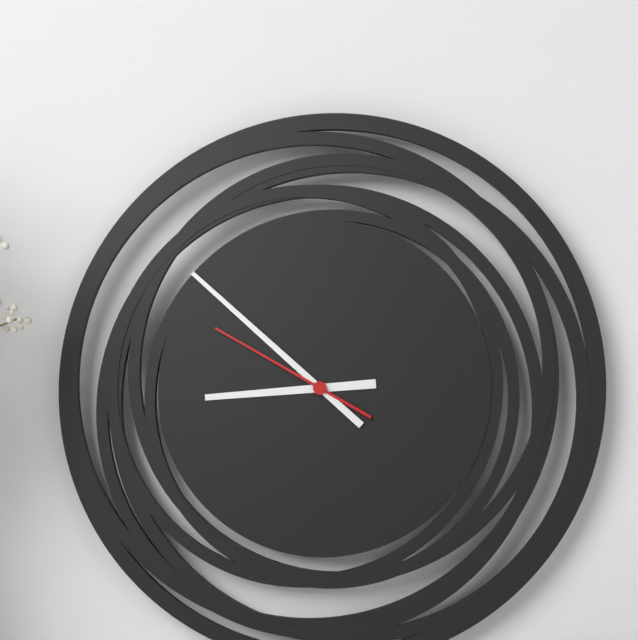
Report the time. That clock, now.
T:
8:52:50
